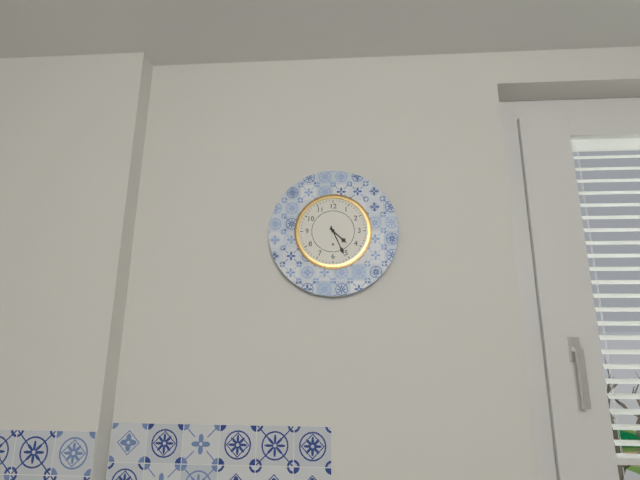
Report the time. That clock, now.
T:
4:26
